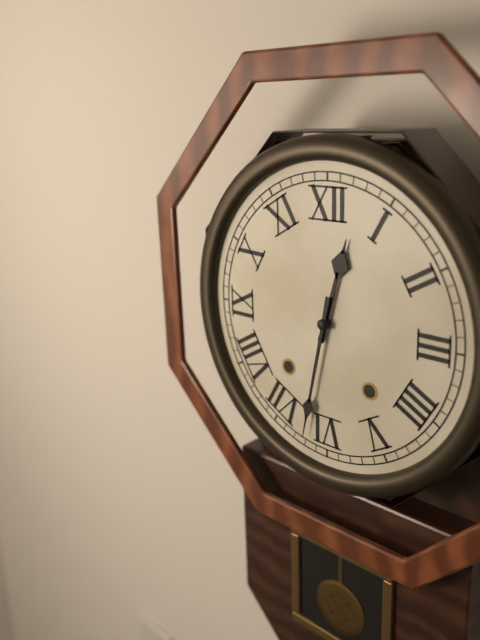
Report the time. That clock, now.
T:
12:32
